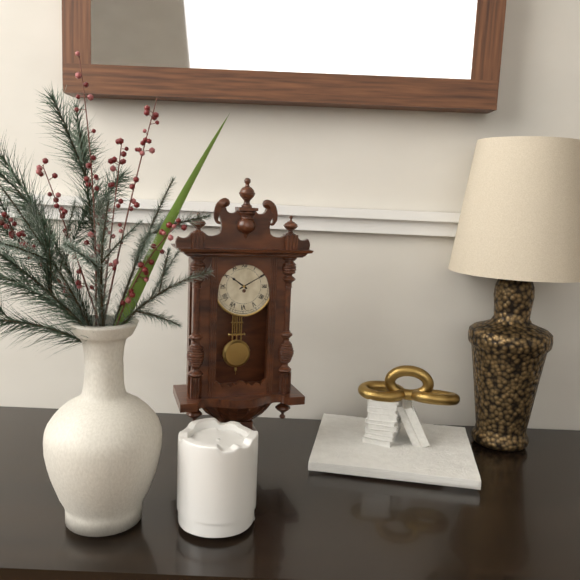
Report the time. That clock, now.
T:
10:10
